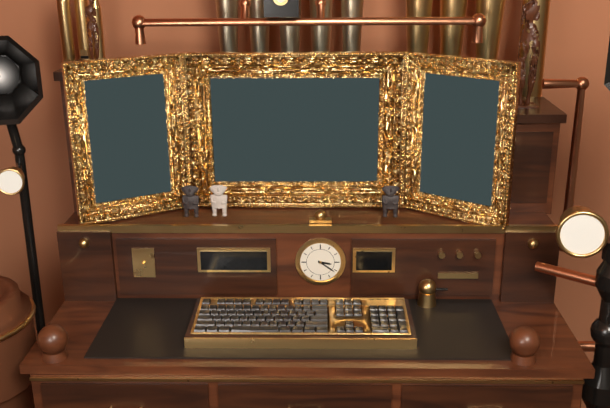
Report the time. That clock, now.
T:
3:21
